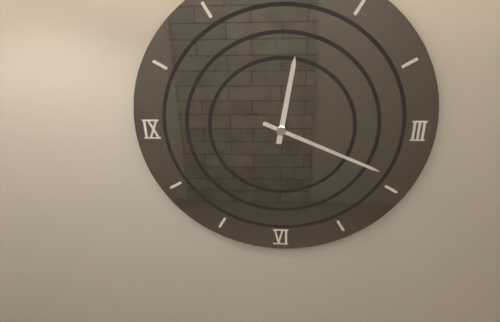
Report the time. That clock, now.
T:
12:19
